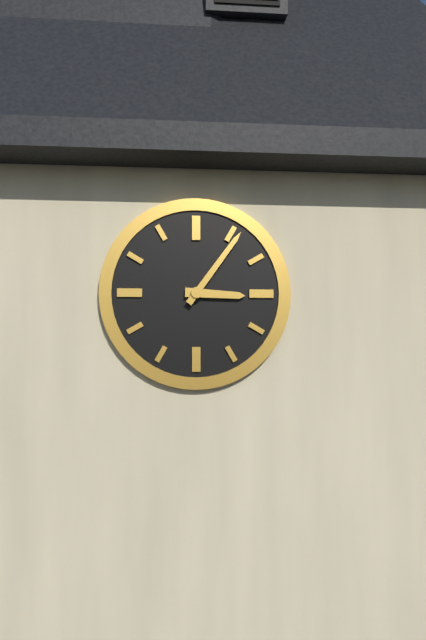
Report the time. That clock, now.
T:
3:06
